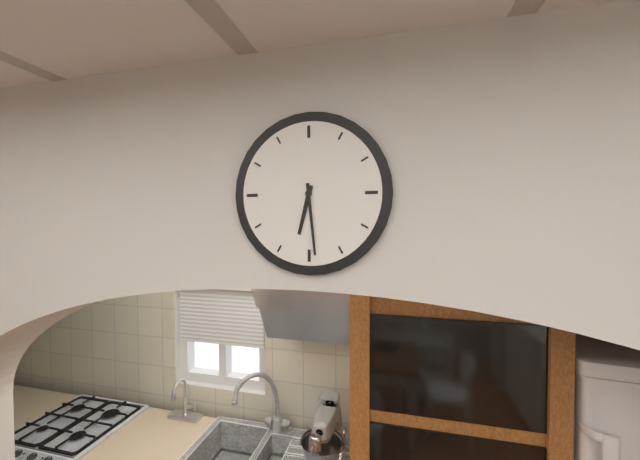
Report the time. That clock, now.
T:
6:29
